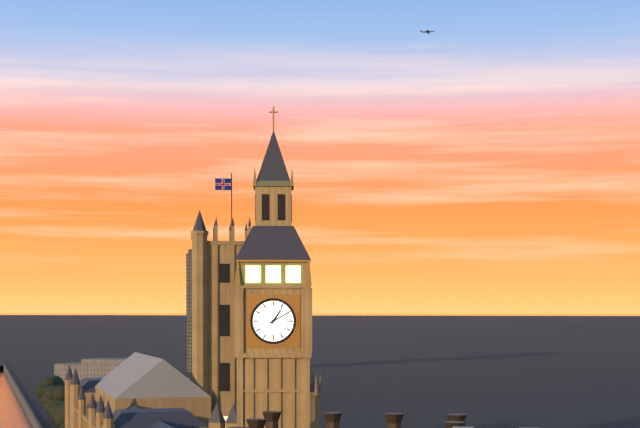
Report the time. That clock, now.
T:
1:10
